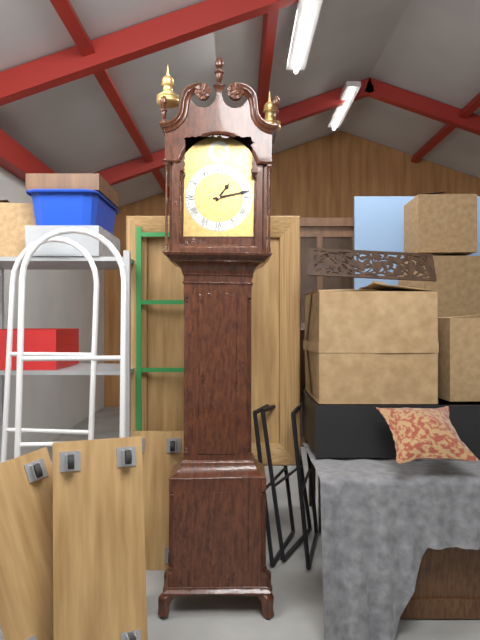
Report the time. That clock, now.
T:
1:13
